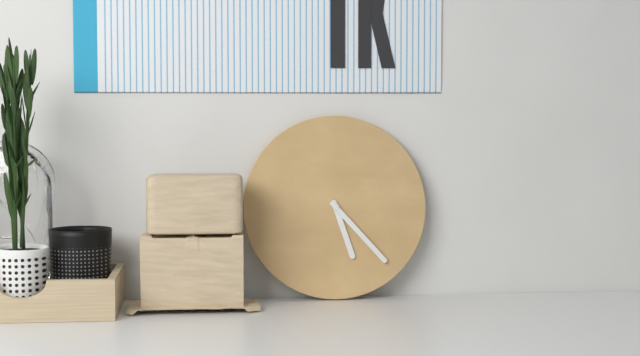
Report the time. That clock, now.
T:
5:23
